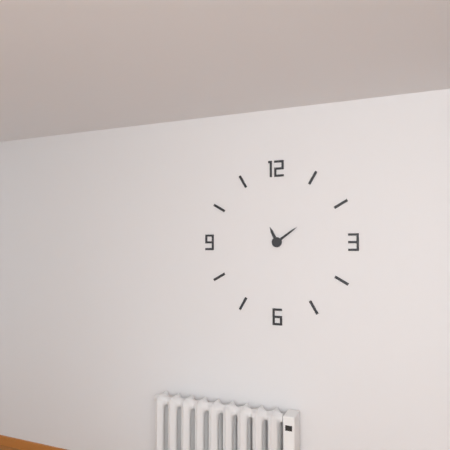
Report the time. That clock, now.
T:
11:09
